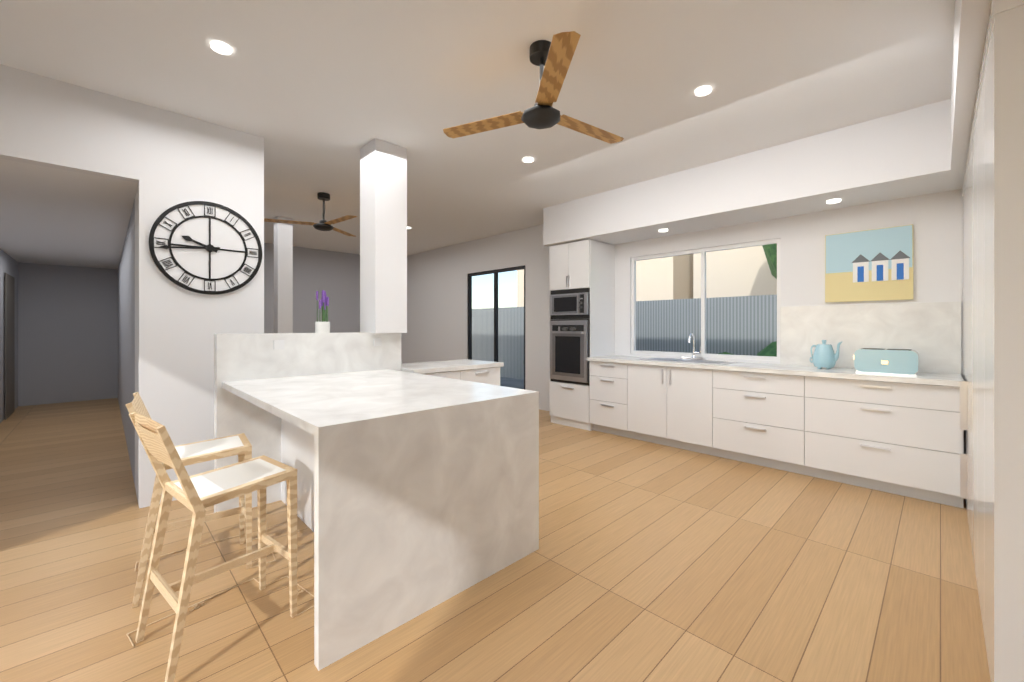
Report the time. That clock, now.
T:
9:44
